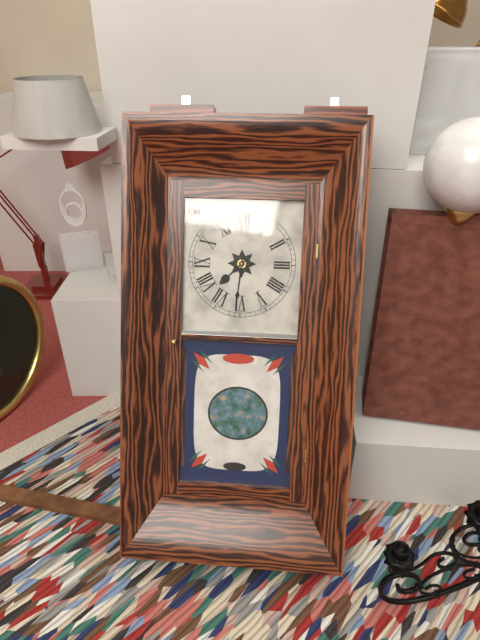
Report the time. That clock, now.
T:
7:31
